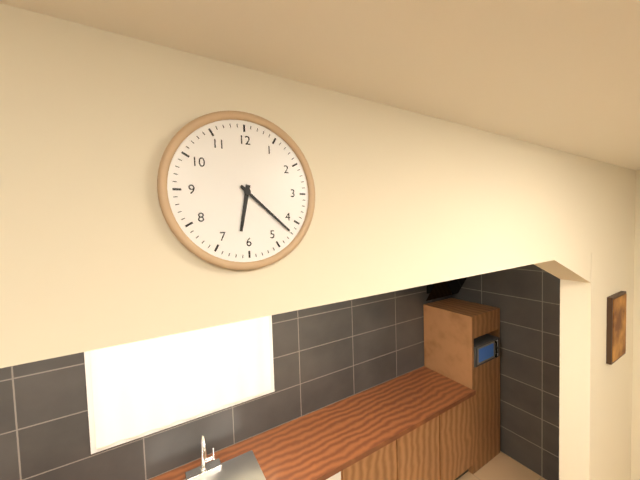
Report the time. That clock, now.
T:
6:22
